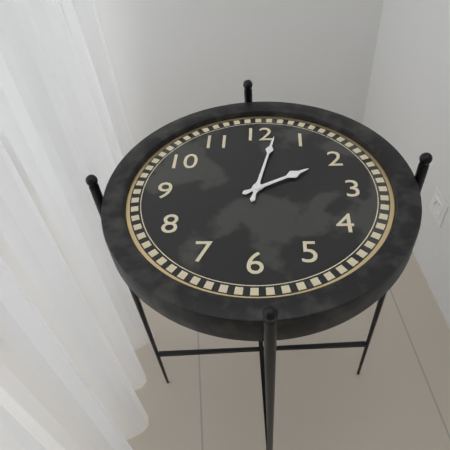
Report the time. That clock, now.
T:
2:02
